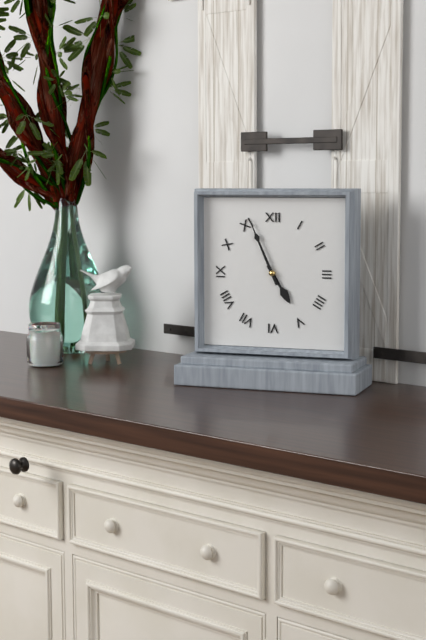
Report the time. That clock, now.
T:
4:56
